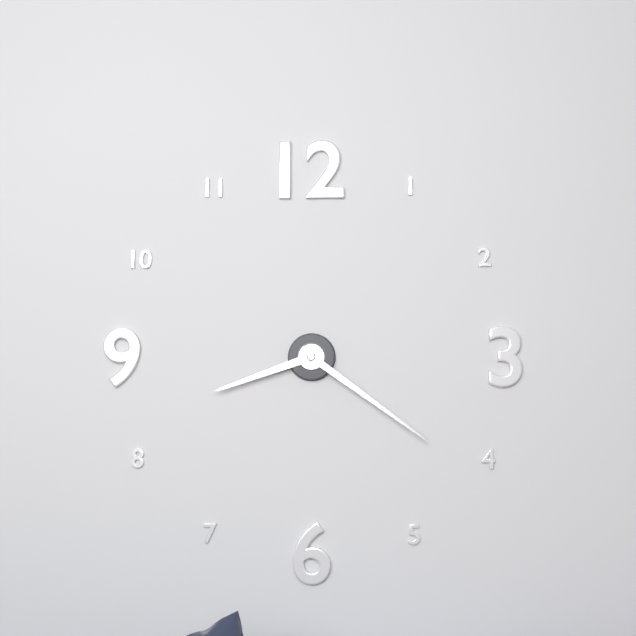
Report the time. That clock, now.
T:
8:21
